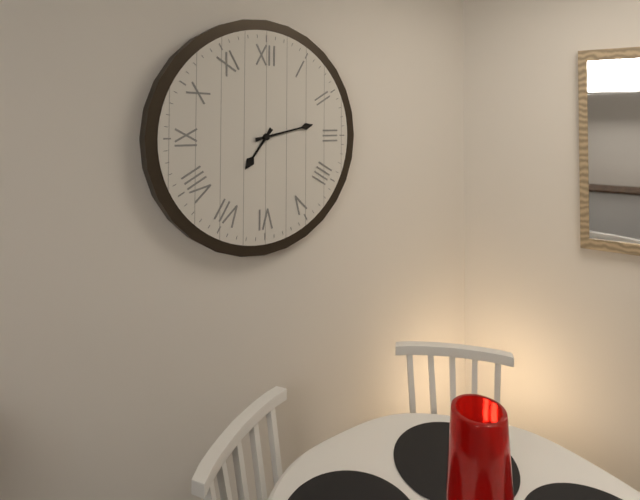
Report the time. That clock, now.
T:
7:13
